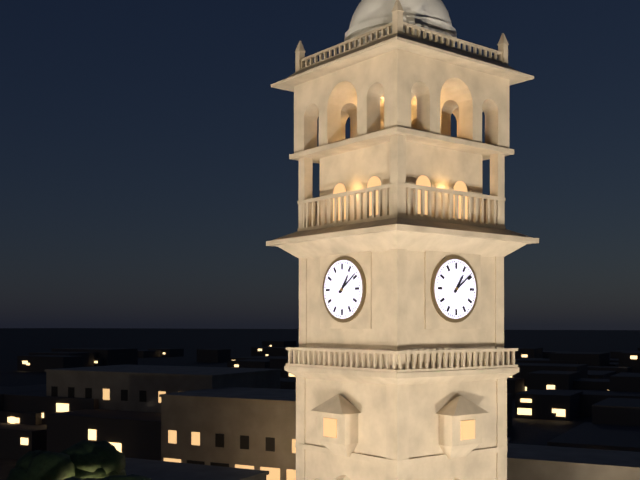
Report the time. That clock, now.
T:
1:09
